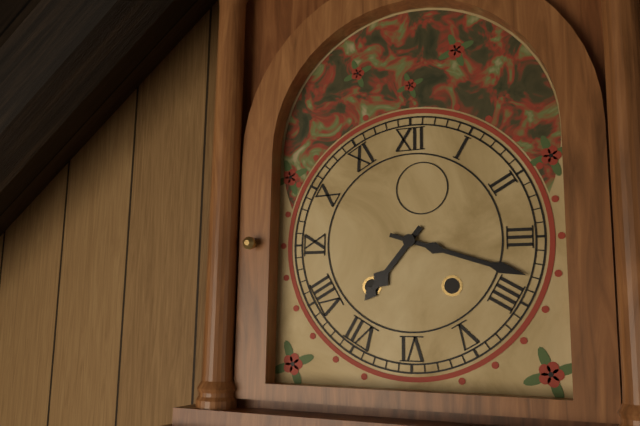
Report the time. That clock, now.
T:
7:18
